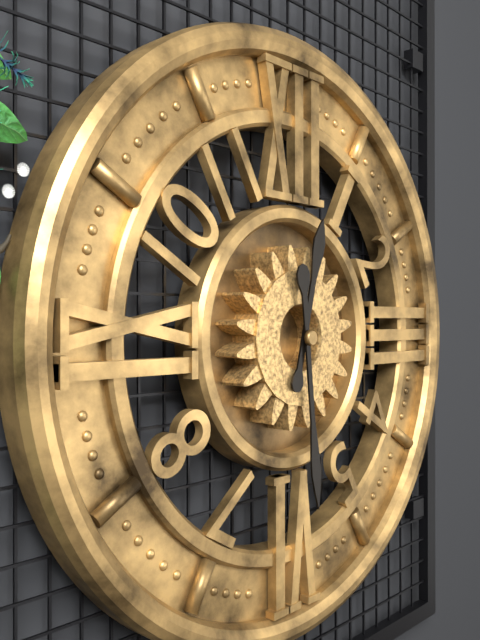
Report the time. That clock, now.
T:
12:29
